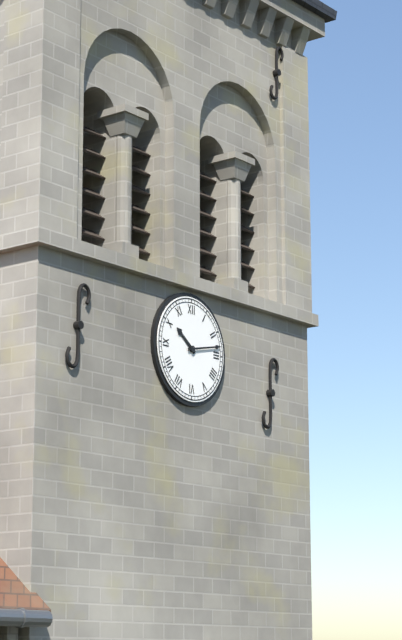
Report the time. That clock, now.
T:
10:13
